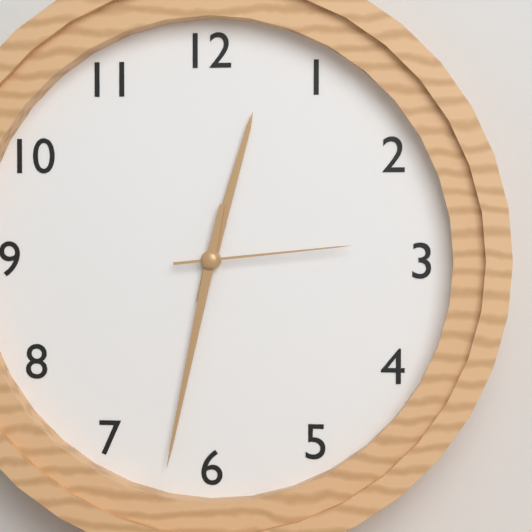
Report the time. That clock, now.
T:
12:32:14
